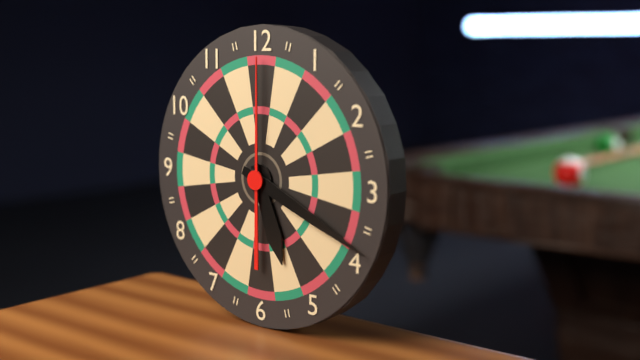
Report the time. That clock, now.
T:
5:19:00
